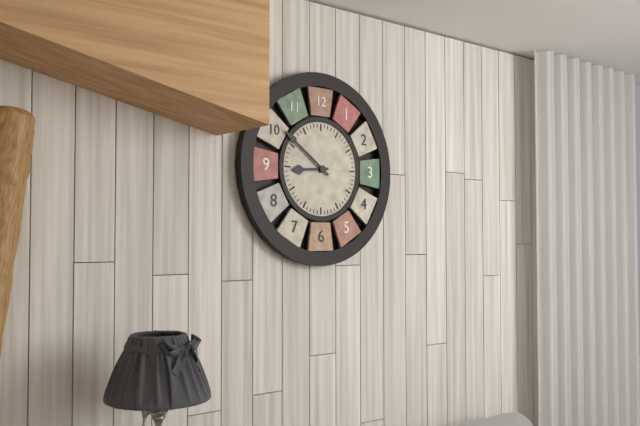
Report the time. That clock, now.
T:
8:51
